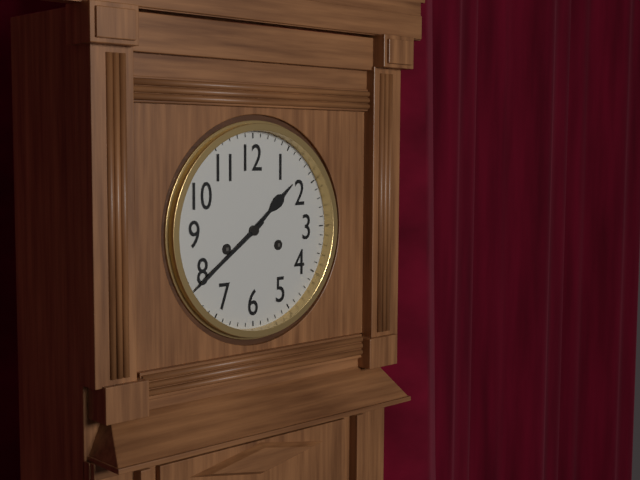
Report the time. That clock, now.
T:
1:39
